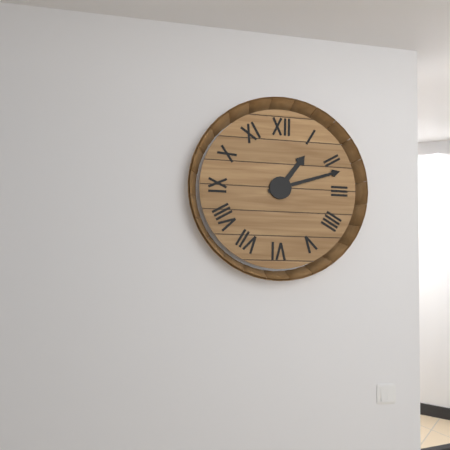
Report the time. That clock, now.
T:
1:12
